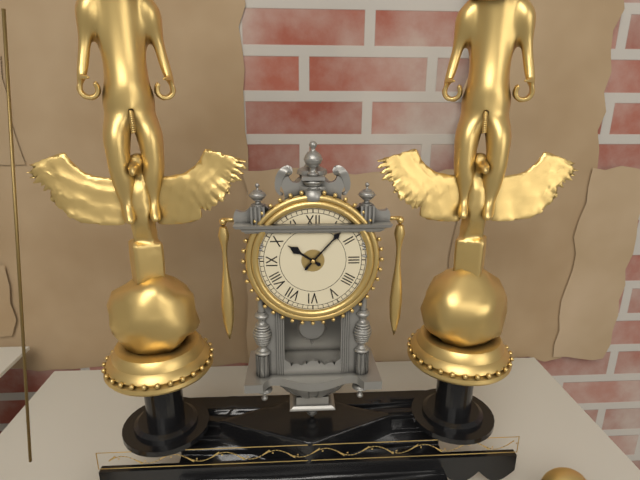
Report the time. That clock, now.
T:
10:07
